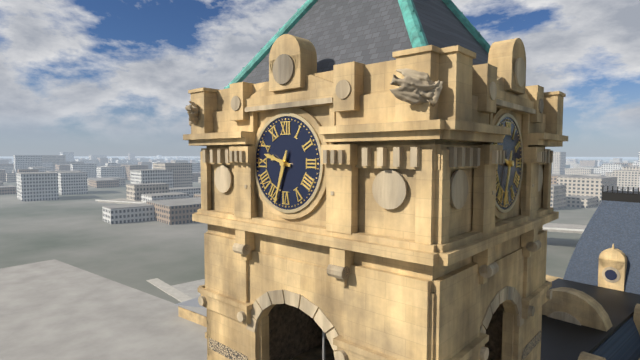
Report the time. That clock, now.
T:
9:33
